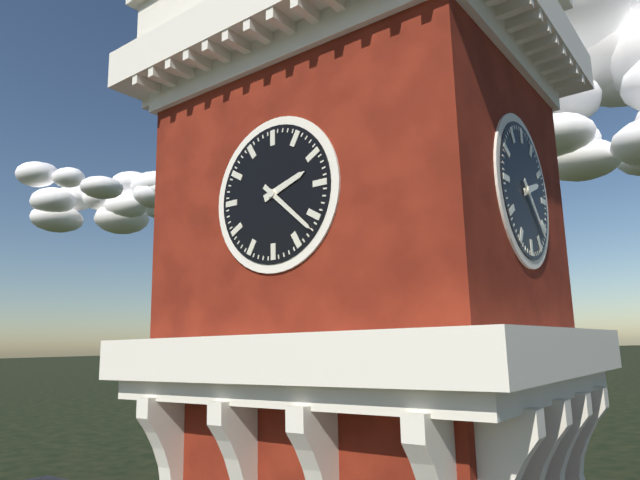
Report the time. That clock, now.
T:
2:22
